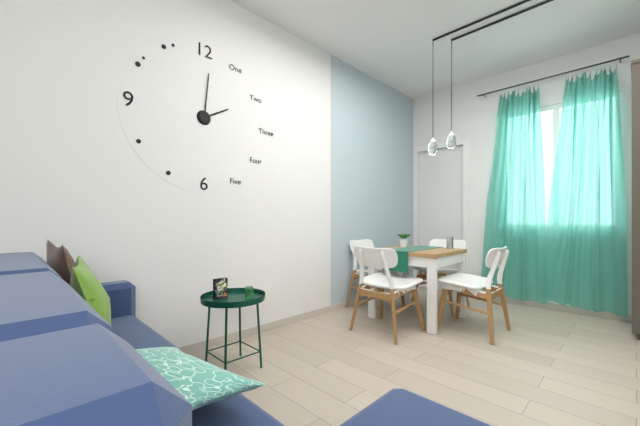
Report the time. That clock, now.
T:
2:01
